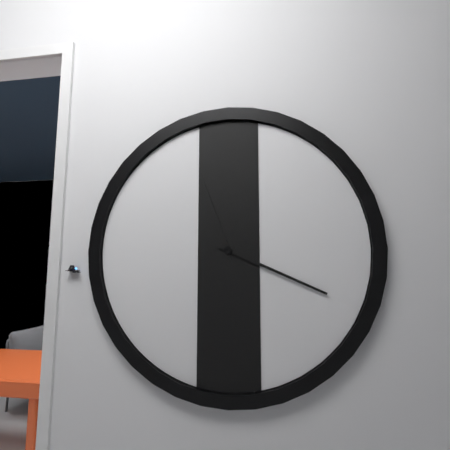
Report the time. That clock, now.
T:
11:19
